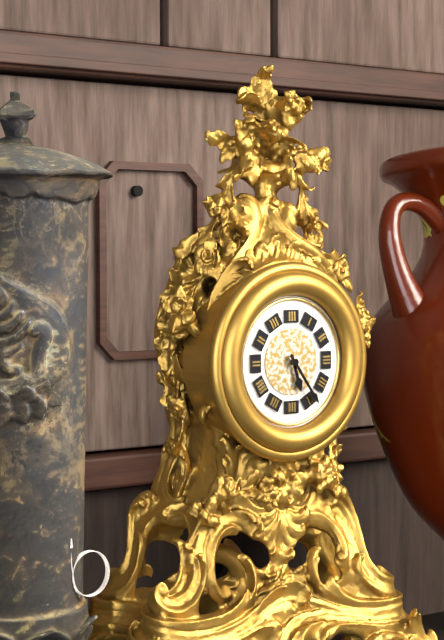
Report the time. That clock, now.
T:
5:24
